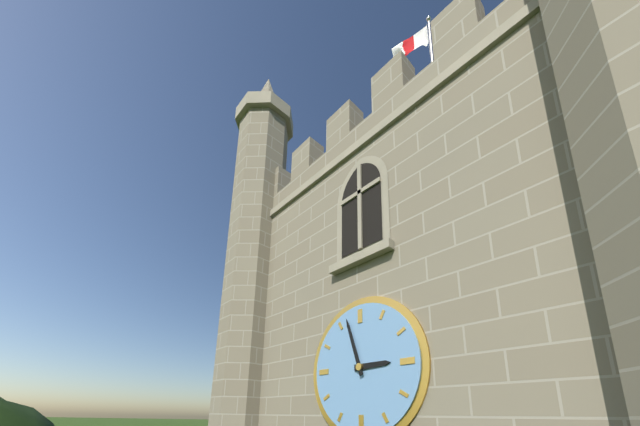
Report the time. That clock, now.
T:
2:57
